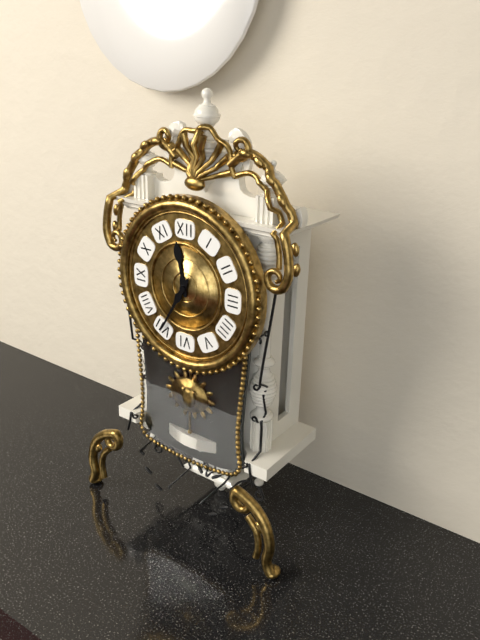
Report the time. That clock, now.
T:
11:35
